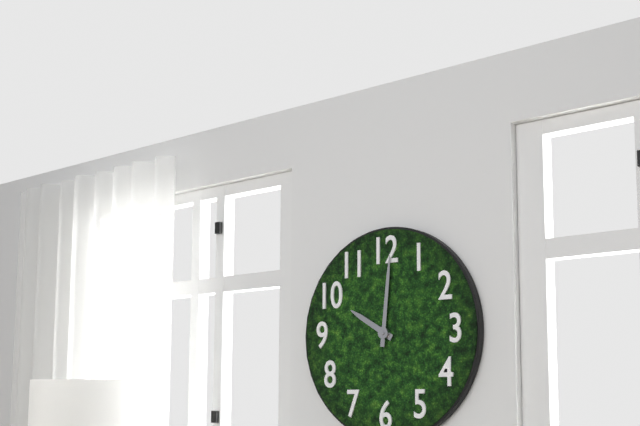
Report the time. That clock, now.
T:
10:01
